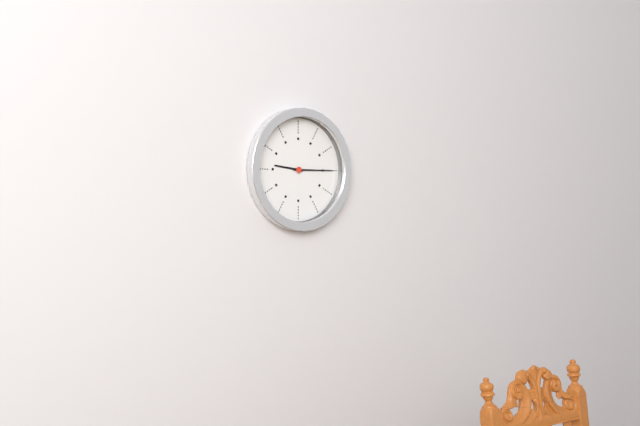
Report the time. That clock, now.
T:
9:15
